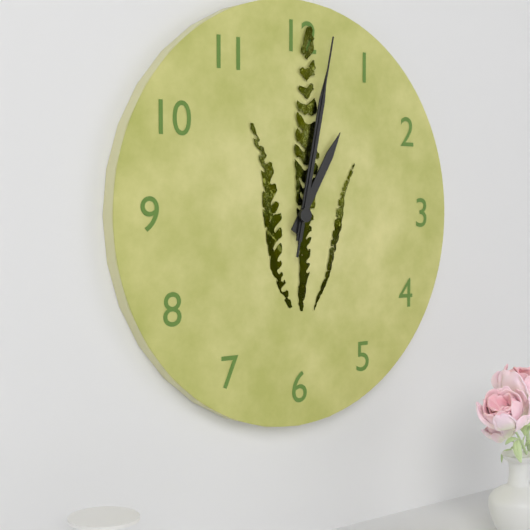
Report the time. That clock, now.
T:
1:02:02
